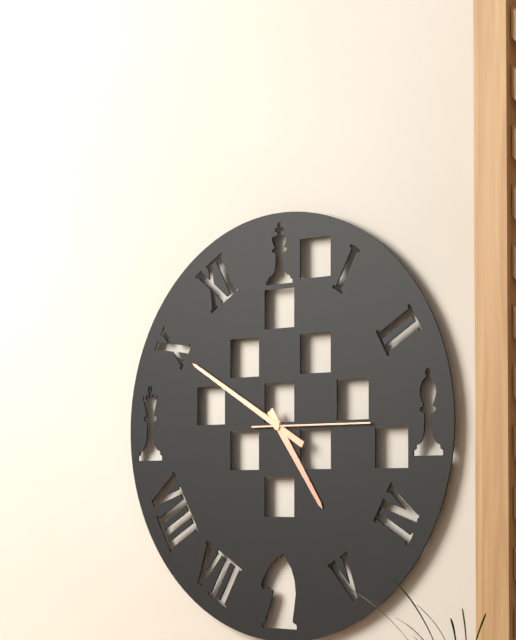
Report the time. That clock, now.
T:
4:50:15
